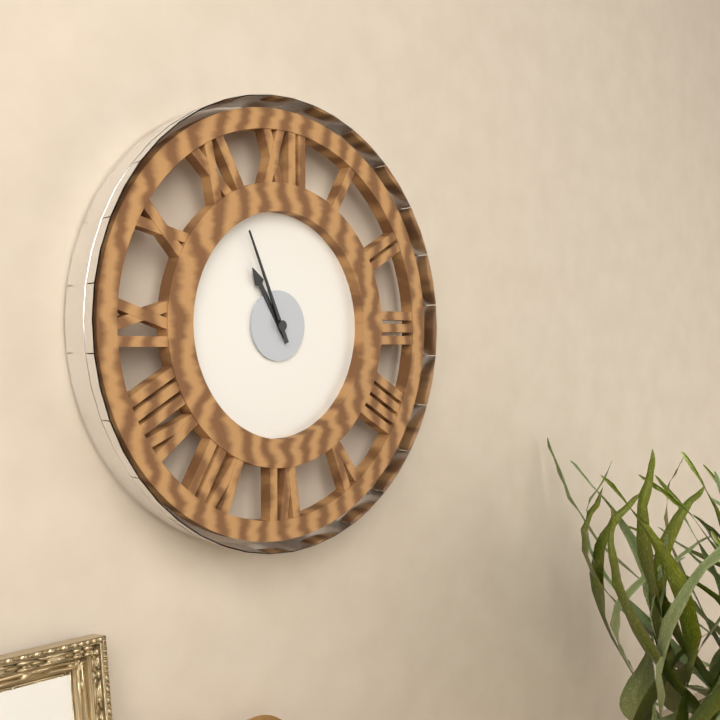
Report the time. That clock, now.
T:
10:56
